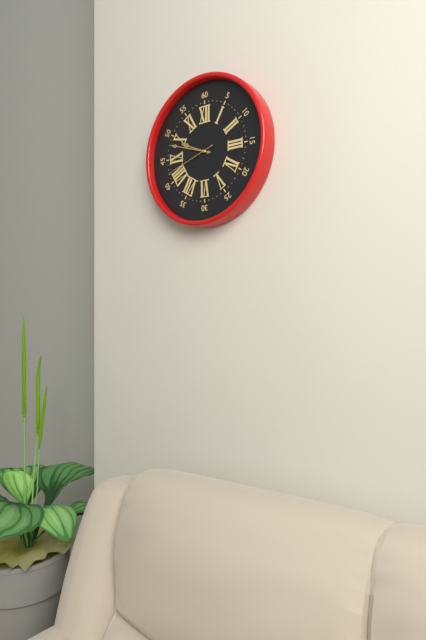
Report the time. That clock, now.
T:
9:48:42
